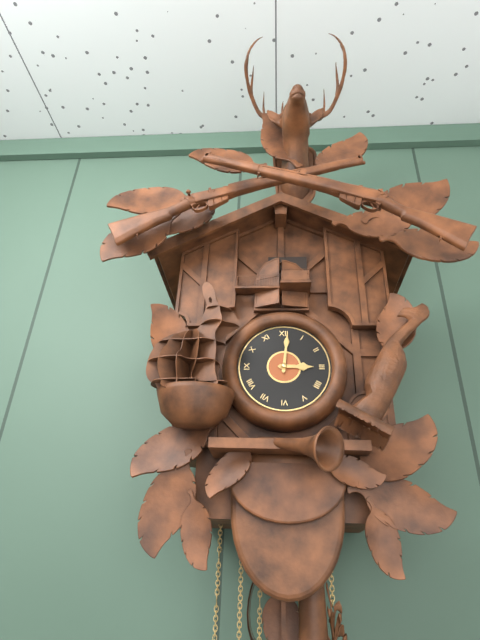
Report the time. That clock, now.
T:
3:01
